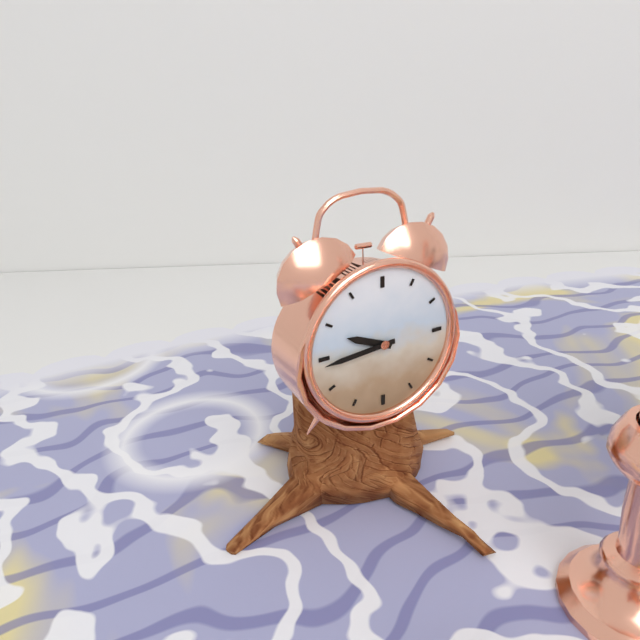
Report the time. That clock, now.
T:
9:44
